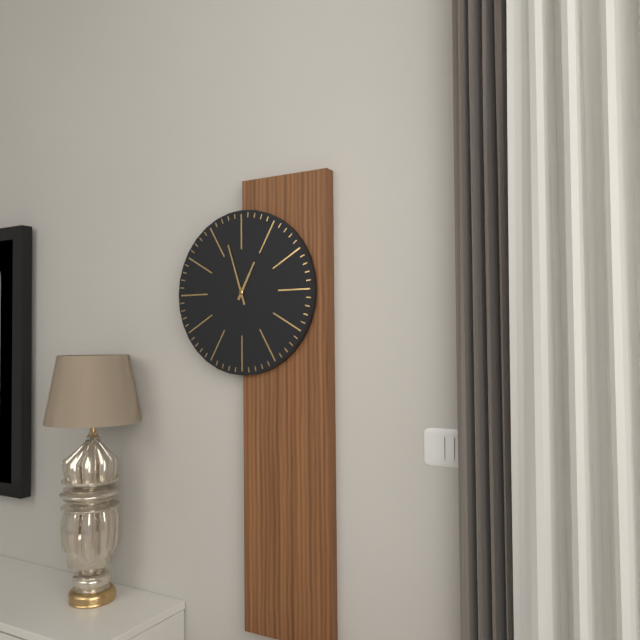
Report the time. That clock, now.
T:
12:57
